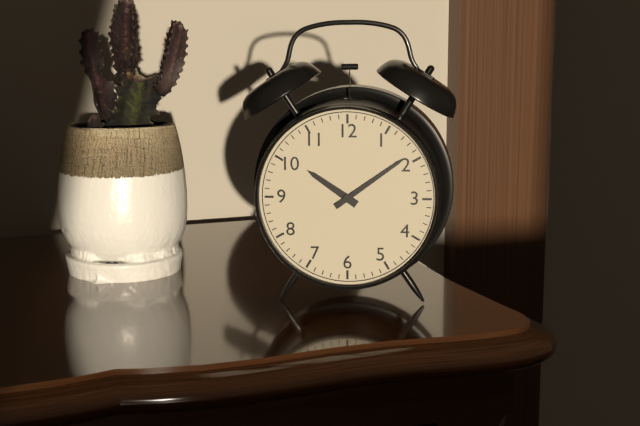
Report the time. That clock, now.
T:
10:09
